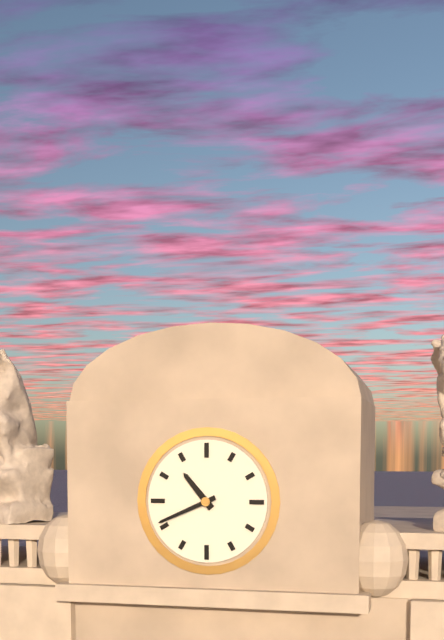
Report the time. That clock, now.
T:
10:41
